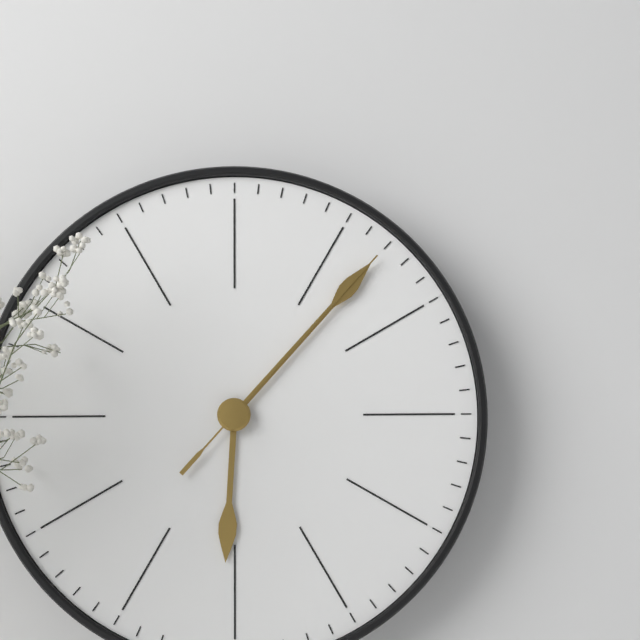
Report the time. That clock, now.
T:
6:07:07
